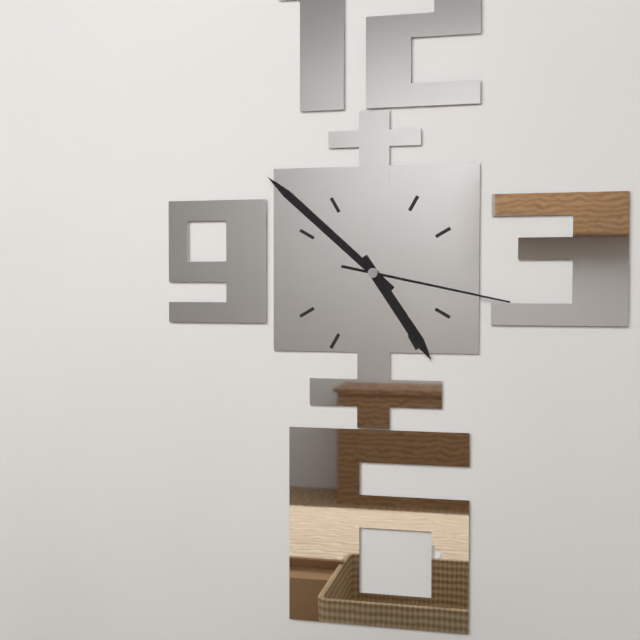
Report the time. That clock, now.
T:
4:52:17
